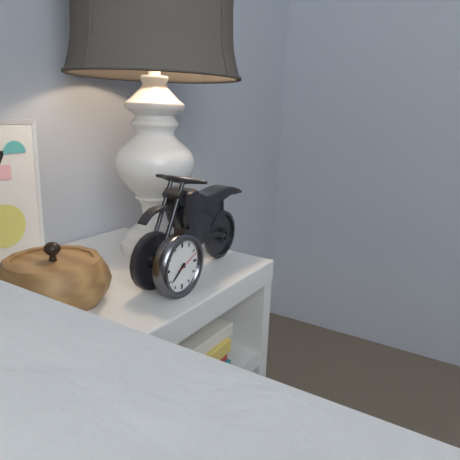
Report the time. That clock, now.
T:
7:39
